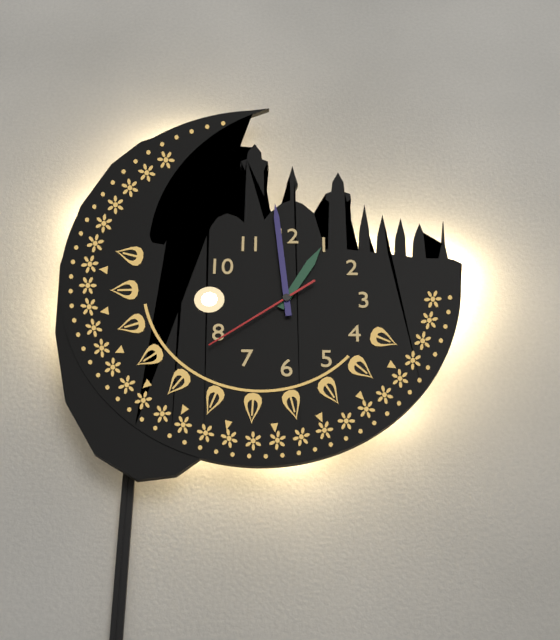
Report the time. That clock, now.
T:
12:59:39
